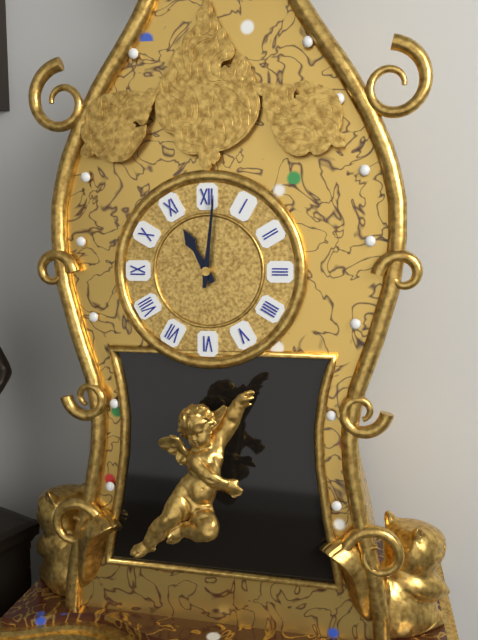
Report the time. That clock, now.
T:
11:01
